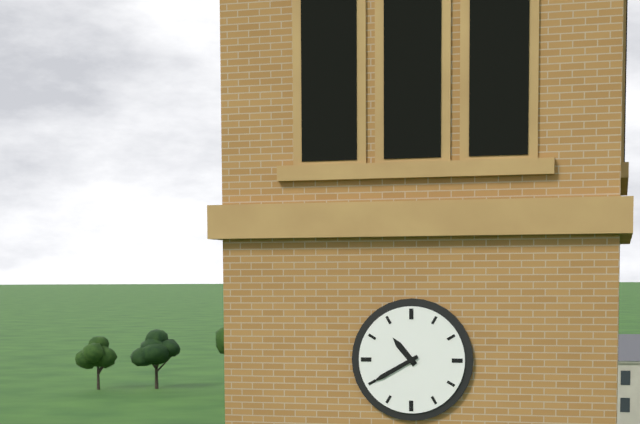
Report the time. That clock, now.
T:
10:40
